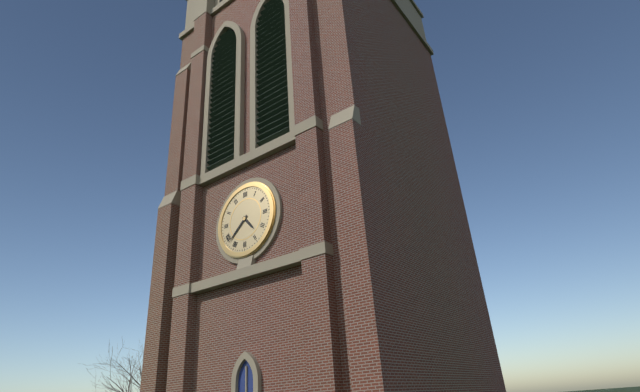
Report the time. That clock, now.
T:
4:38
